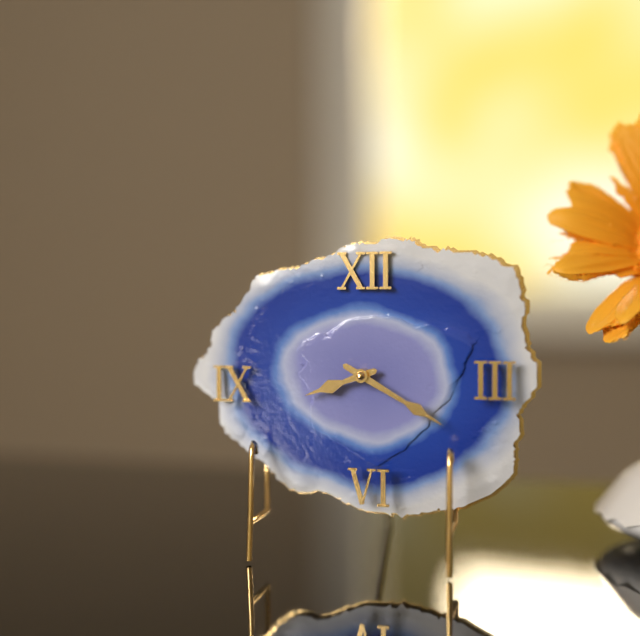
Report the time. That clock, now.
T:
8:20
